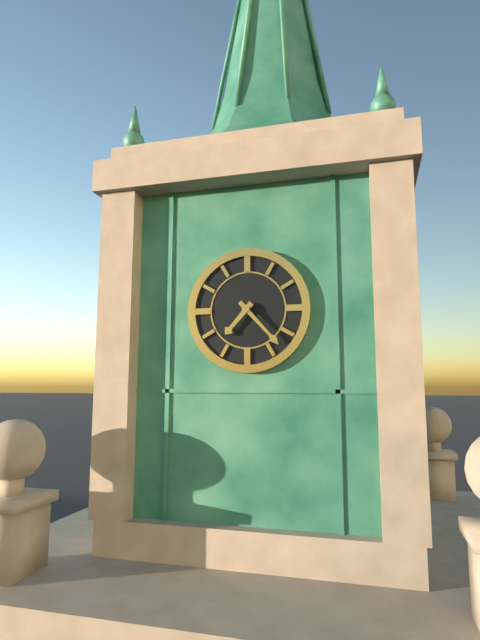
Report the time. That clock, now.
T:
7:23
